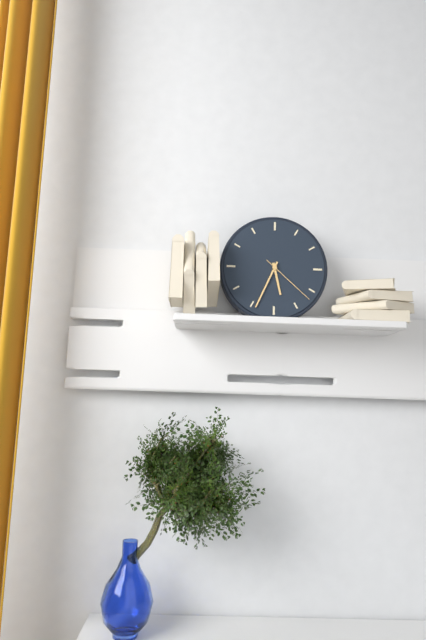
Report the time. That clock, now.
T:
5:34:22
